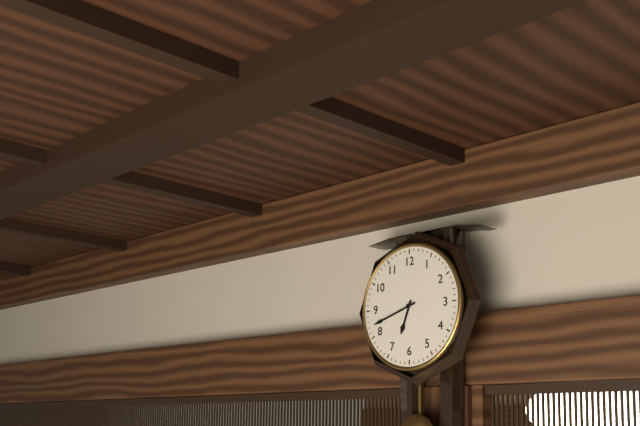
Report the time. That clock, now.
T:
6:42
